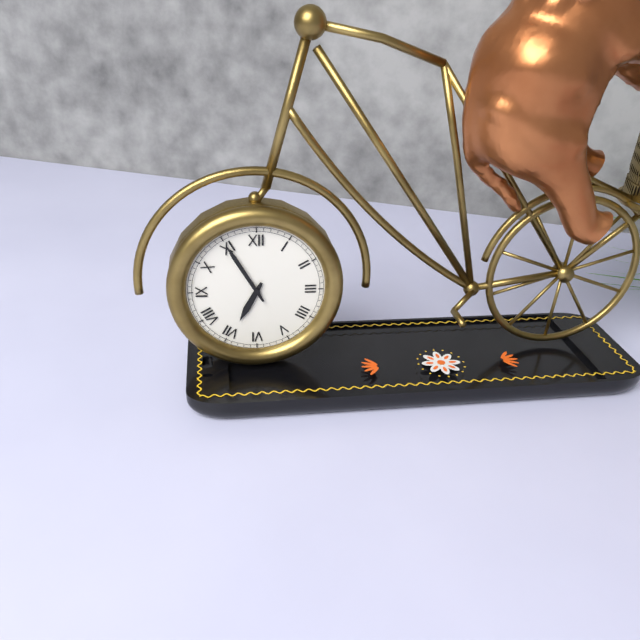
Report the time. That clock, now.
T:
6:55
